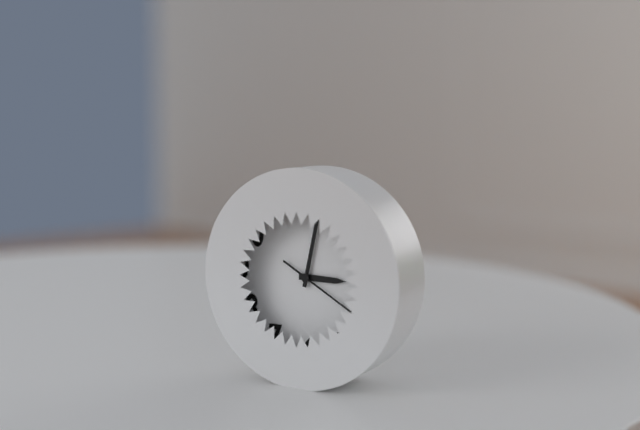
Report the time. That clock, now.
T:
3:02:20
